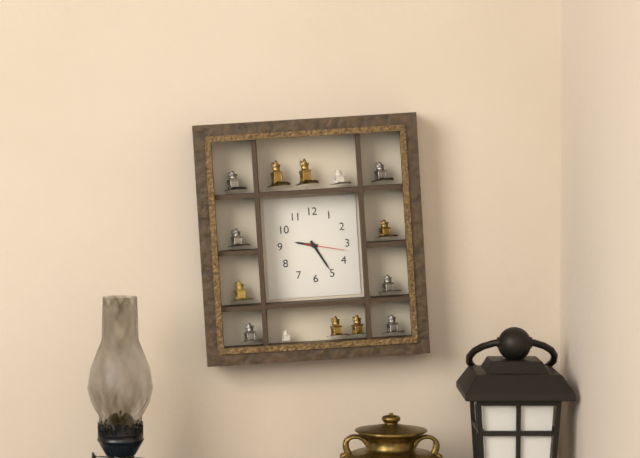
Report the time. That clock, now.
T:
9:25
